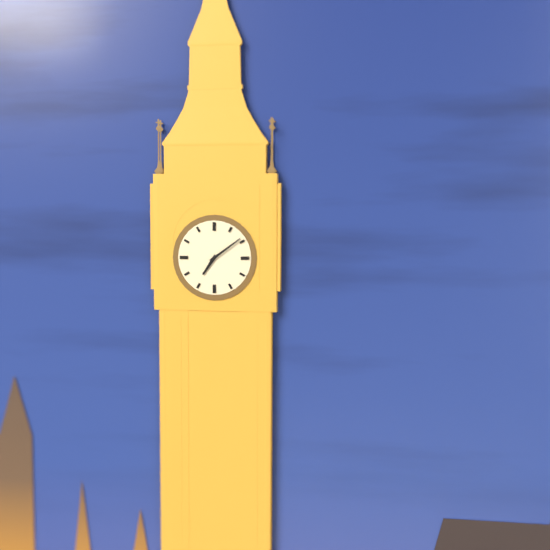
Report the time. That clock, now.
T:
7:09
